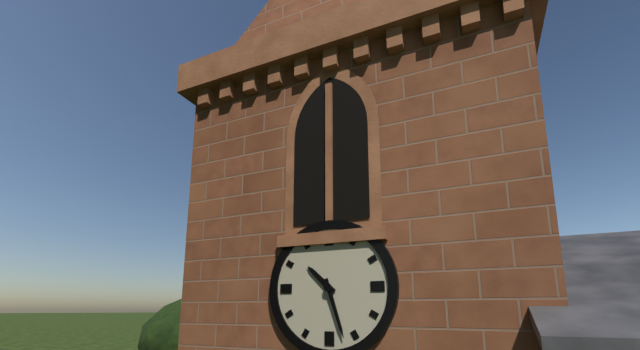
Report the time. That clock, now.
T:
10:27
